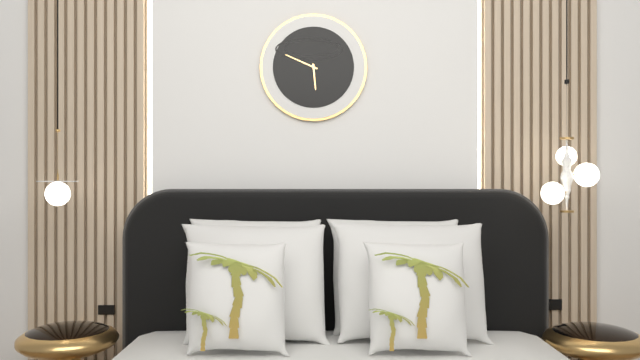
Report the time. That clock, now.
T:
5:49
